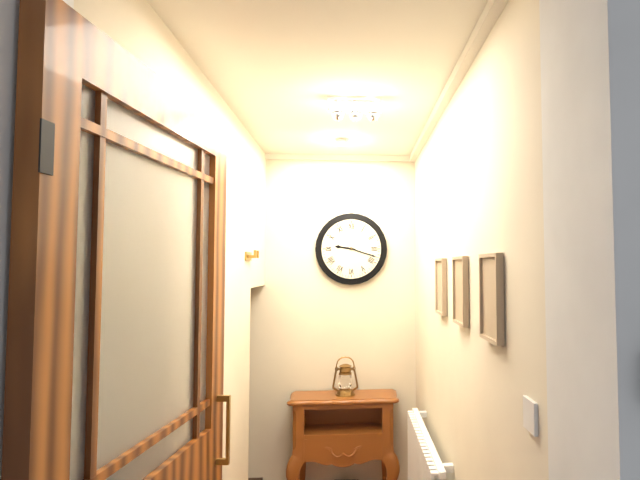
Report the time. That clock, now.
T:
9:18
